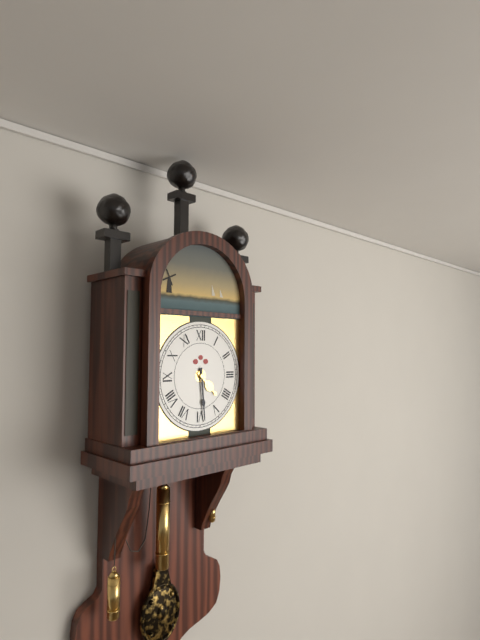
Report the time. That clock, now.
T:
4:29
